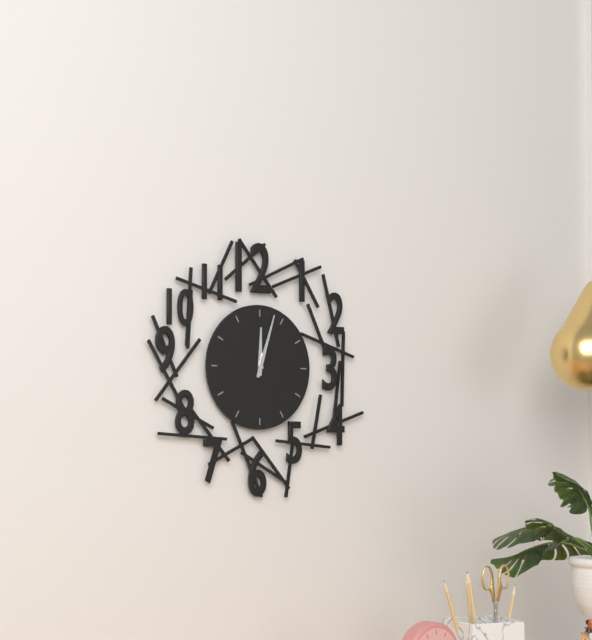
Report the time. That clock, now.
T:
12:03
